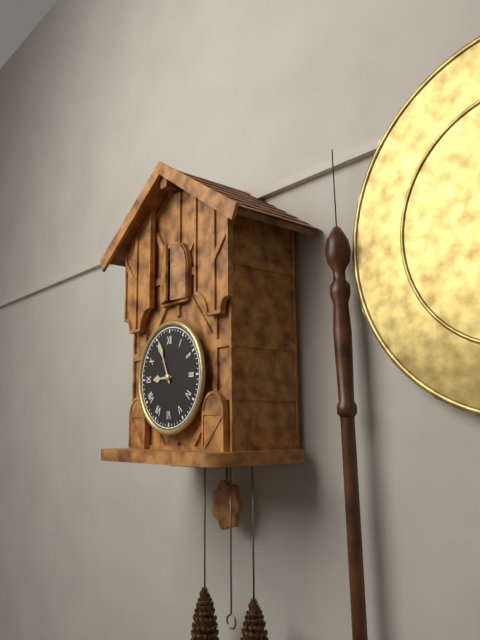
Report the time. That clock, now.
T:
8:56
